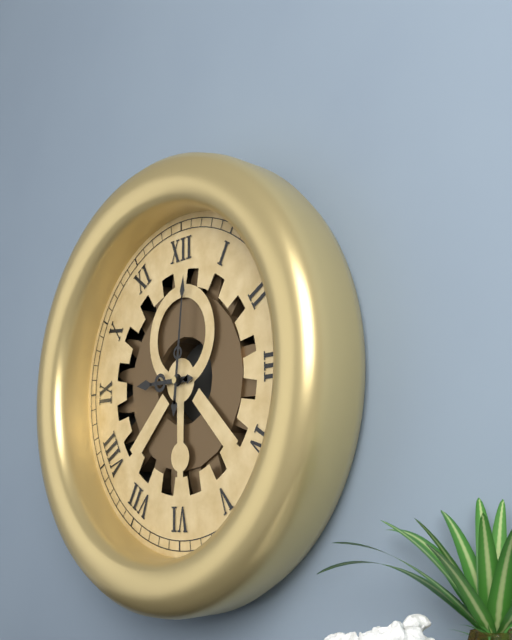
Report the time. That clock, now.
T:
9:01
